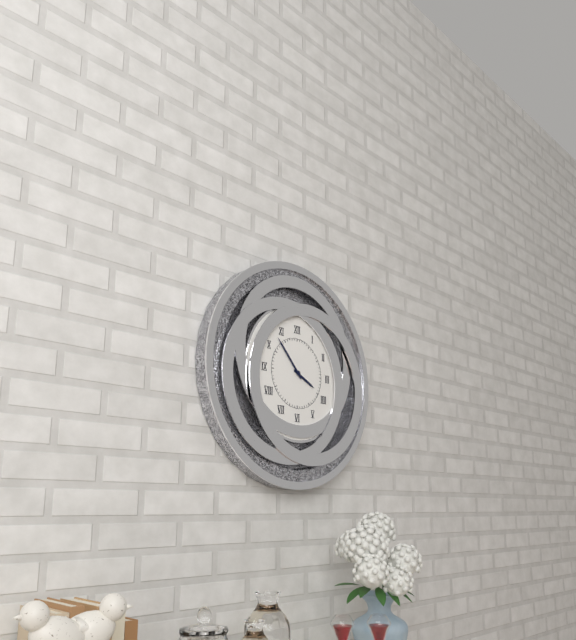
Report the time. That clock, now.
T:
3:53
